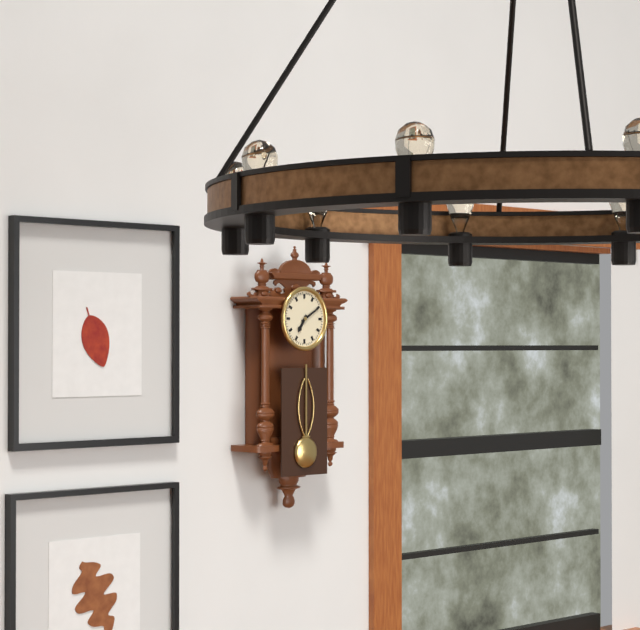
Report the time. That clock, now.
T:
7:10
